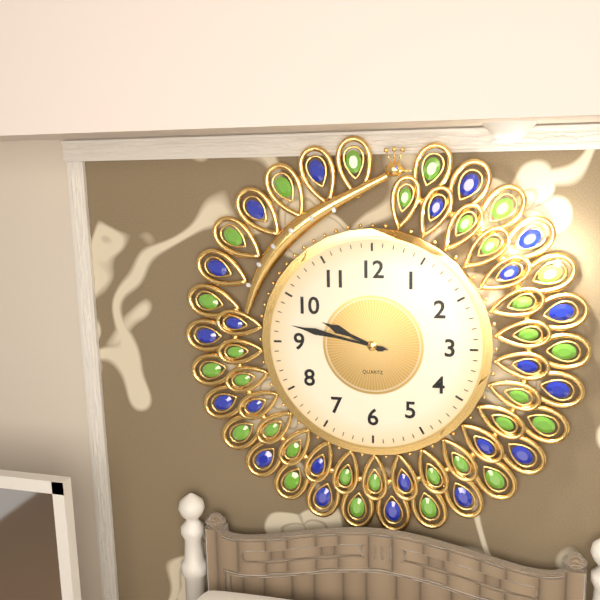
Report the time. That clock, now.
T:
9:47
